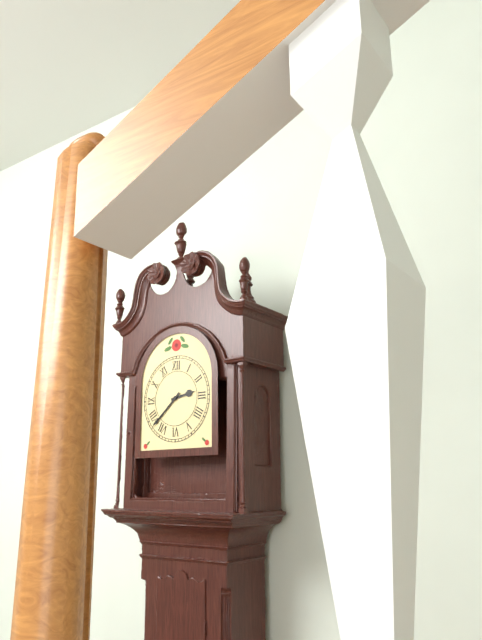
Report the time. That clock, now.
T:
2:38
